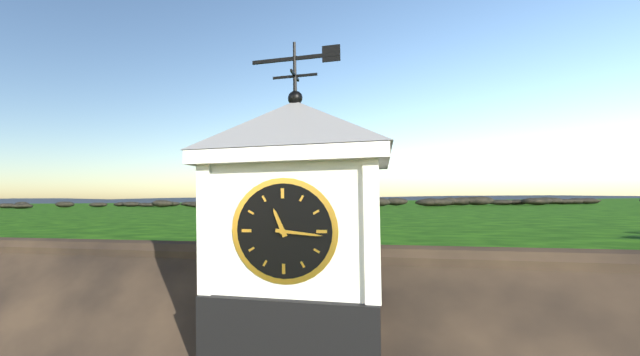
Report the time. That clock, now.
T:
11:16
